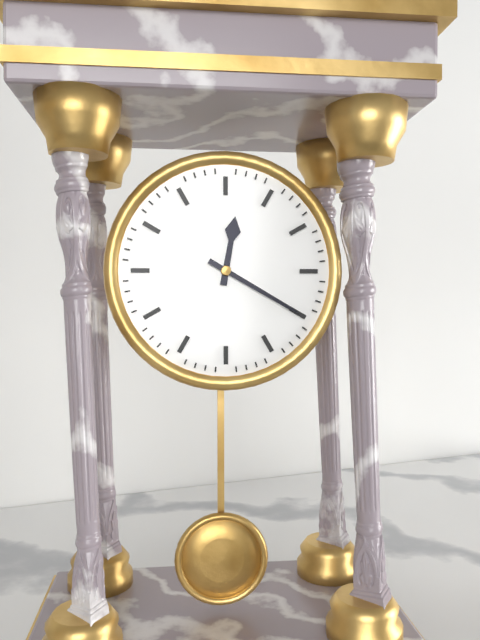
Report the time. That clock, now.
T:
12:20
